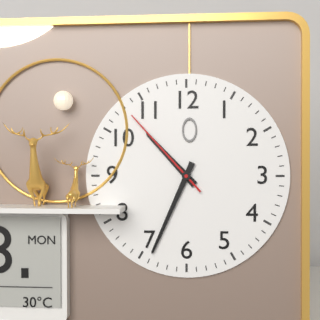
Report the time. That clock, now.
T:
10:34:53
